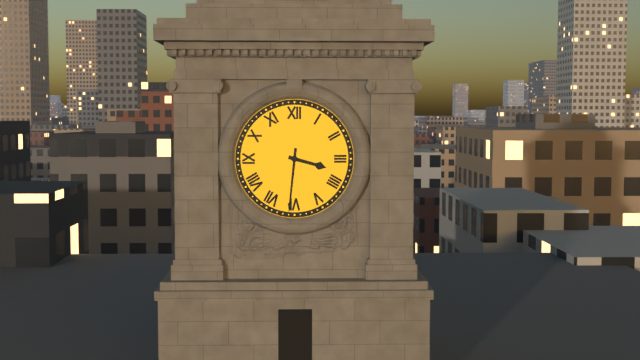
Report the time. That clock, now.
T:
3:31
